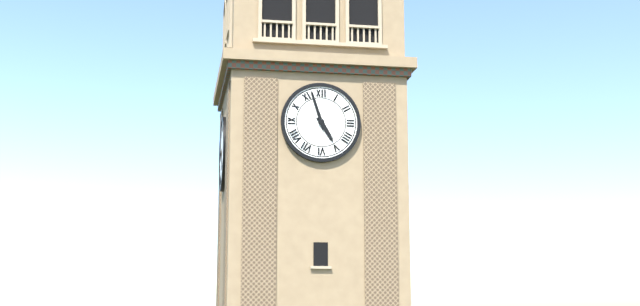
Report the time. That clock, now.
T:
4:57
